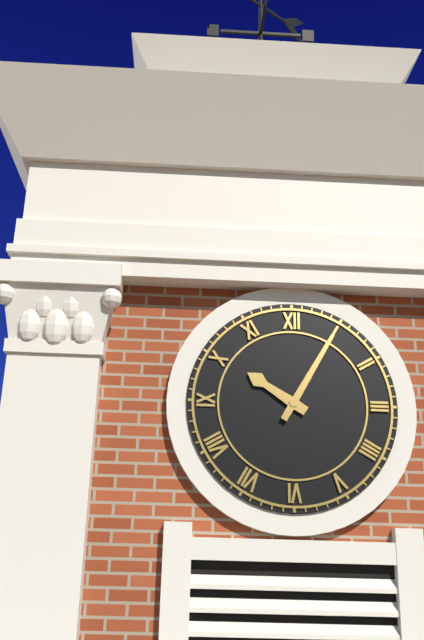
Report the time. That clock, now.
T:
10:05
